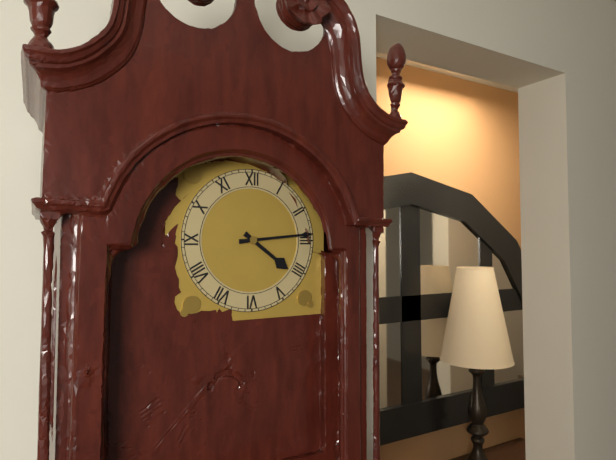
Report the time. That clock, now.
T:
4:14
